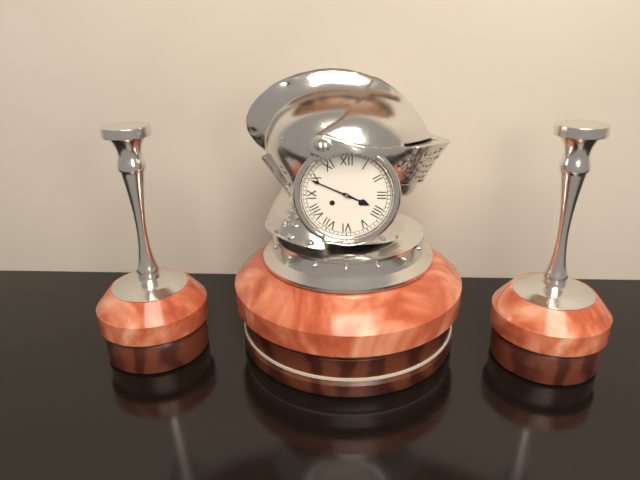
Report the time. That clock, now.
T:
3:49
